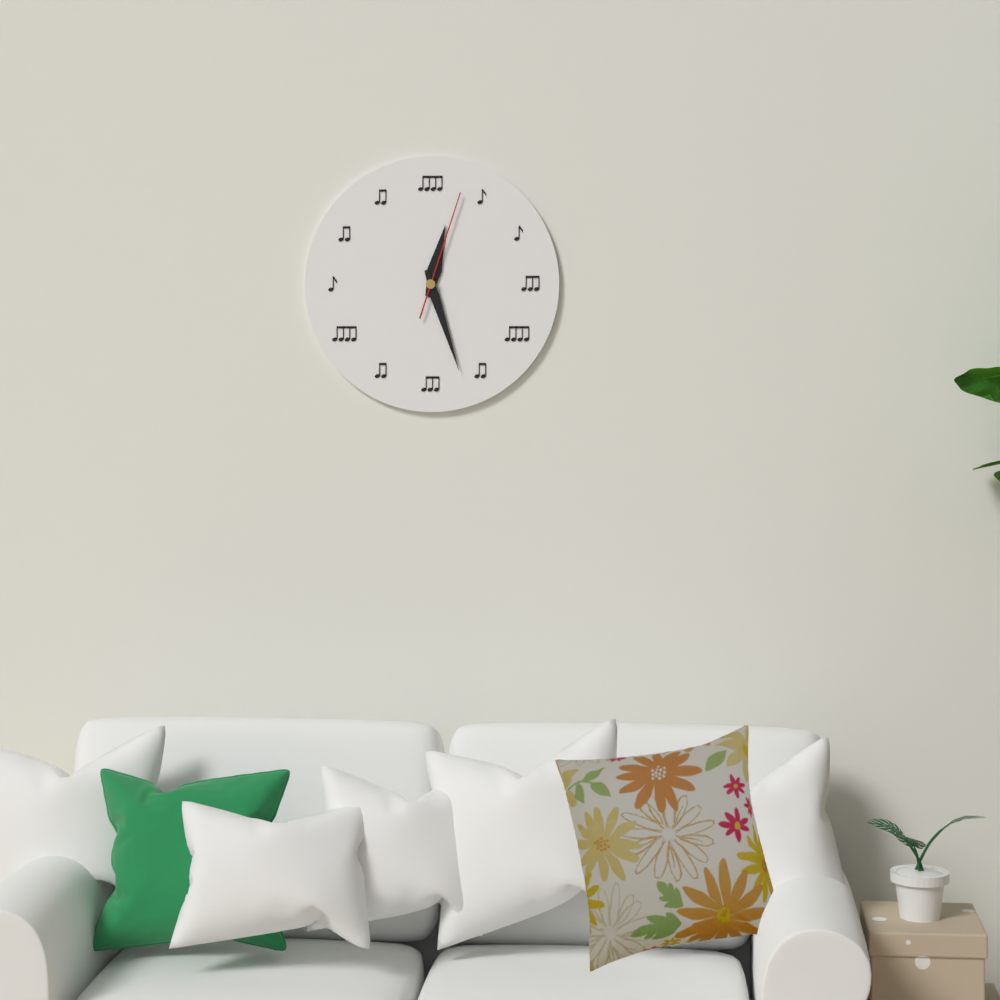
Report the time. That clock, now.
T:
12:27:03
